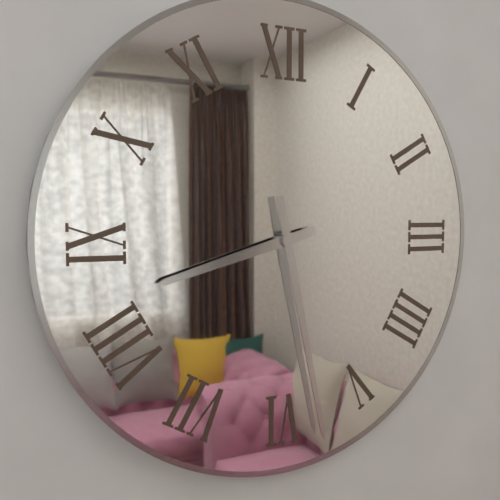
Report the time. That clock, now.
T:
8:28
